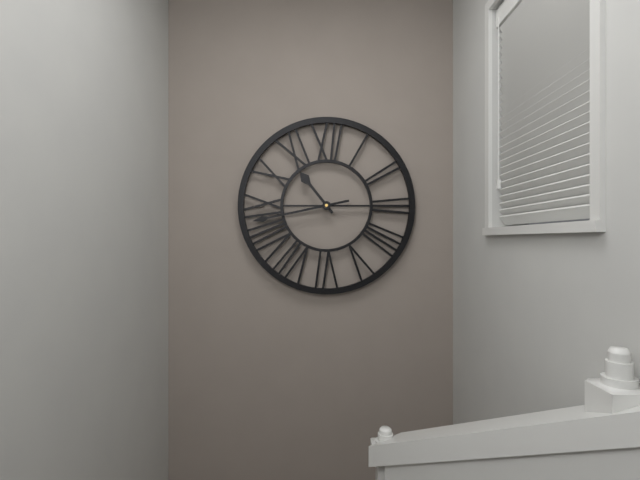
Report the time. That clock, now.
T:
10:43
